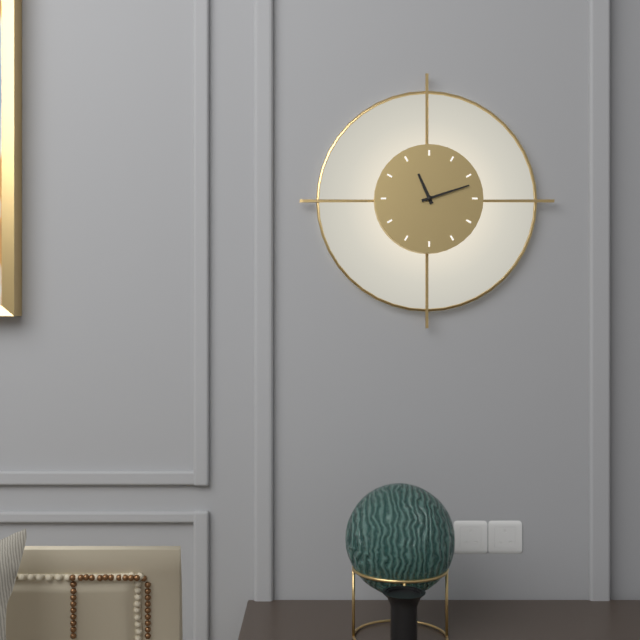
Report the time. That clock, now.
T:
11:12
